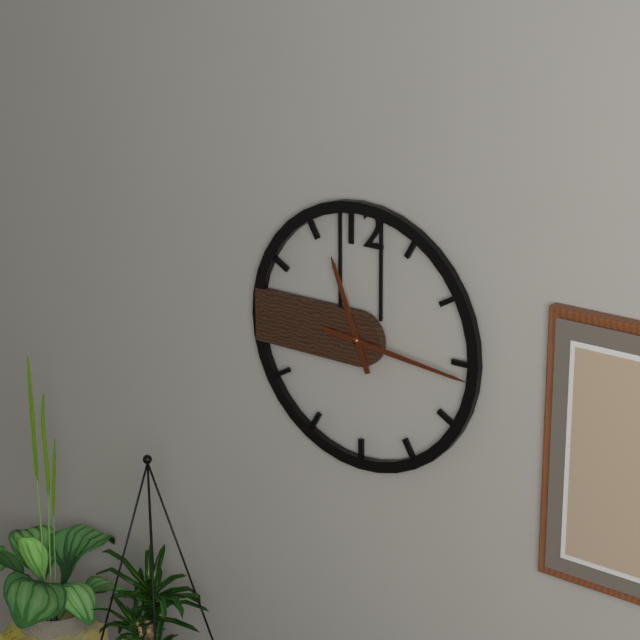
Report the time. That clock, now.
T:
11:16
